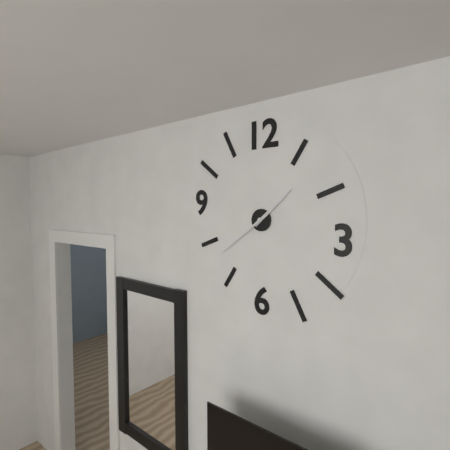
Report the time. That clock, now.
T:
1:39
